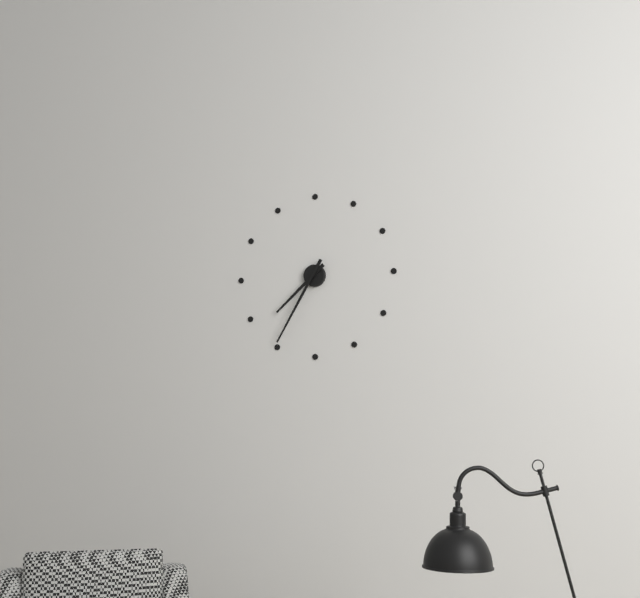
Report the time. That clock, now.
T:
7:35
